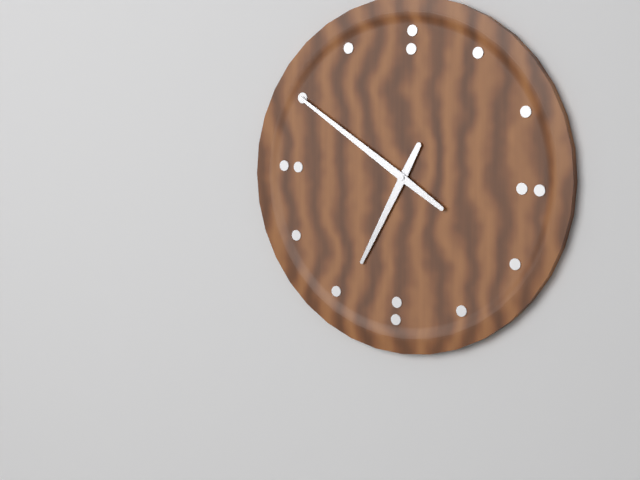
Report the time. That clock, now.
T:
6:50
